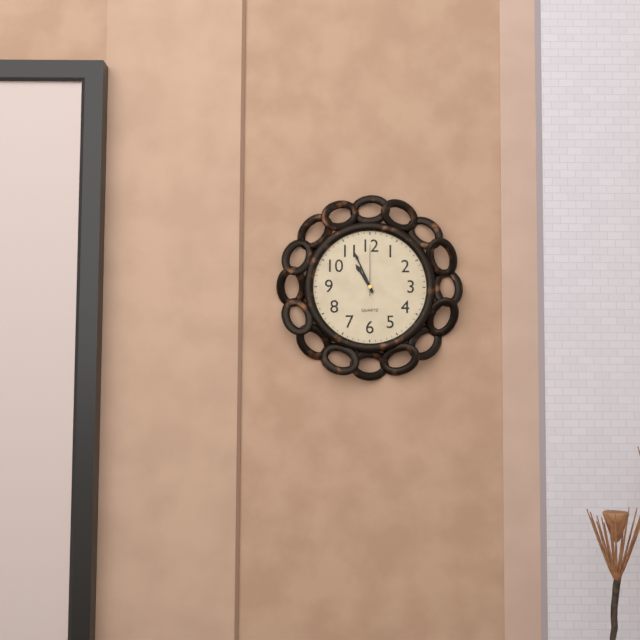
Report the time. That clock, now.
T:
10:56:00
